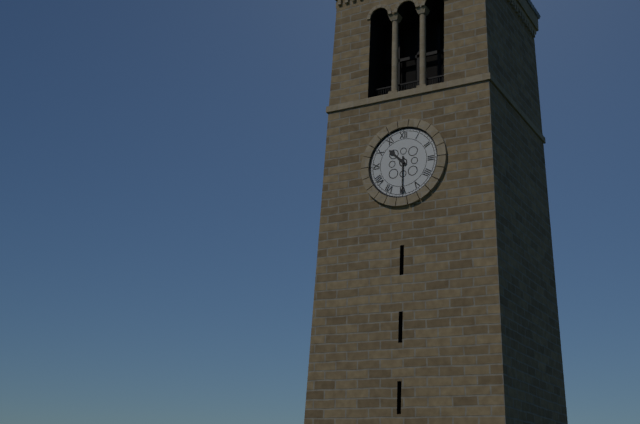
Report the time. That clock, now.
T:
10:30
